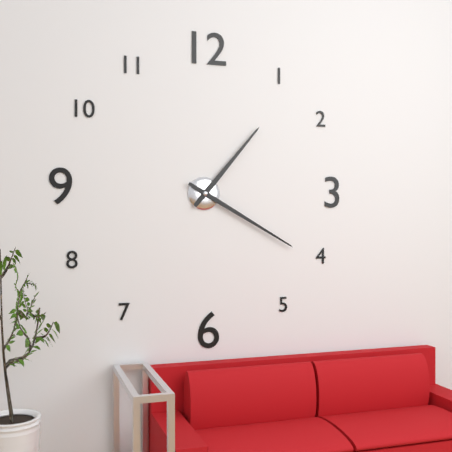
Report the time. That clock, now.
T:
1:20
